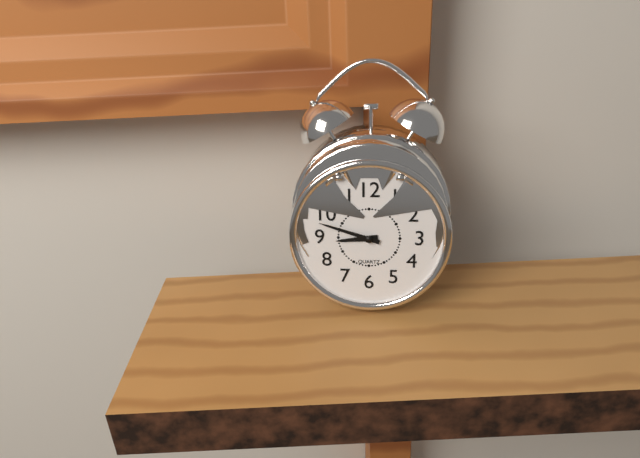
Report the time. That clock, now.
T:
8:48
